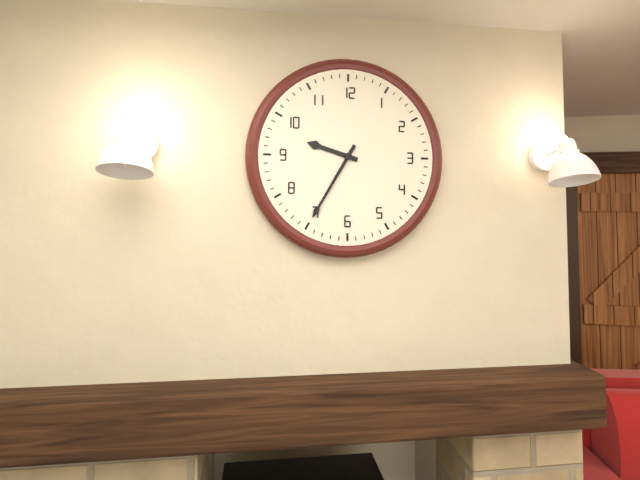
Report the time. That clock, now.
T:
9:35
